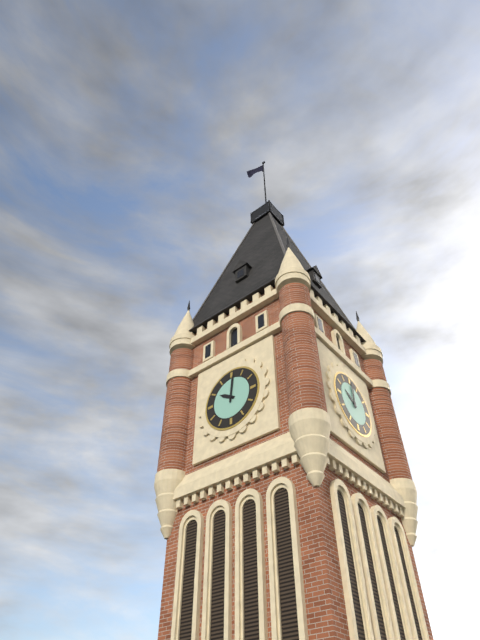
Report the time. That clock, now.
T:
10:01
